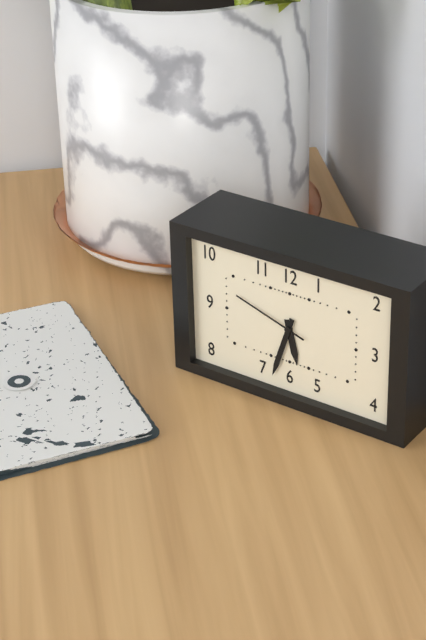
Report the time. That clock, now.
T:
5:33:48
